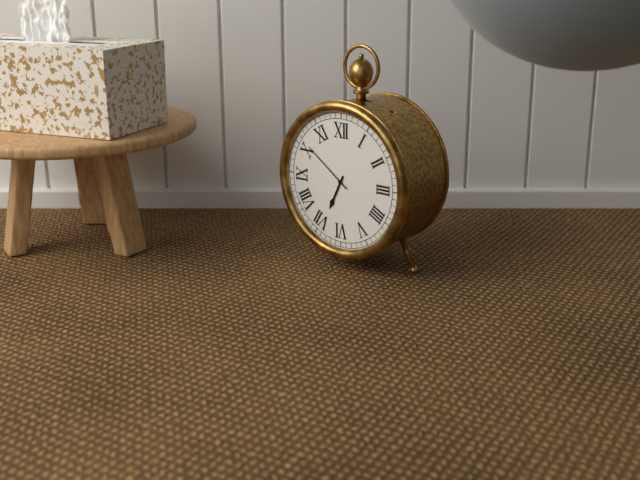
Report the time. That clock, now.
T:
6:51
